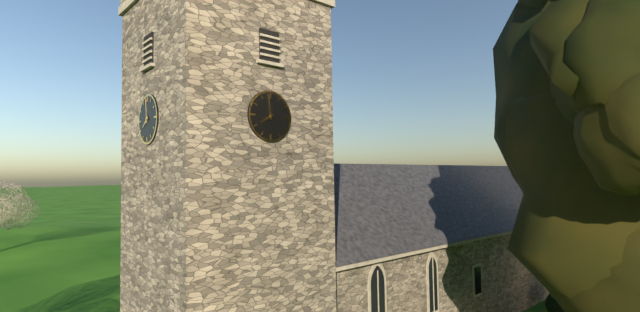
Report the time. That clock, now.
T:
7:59
